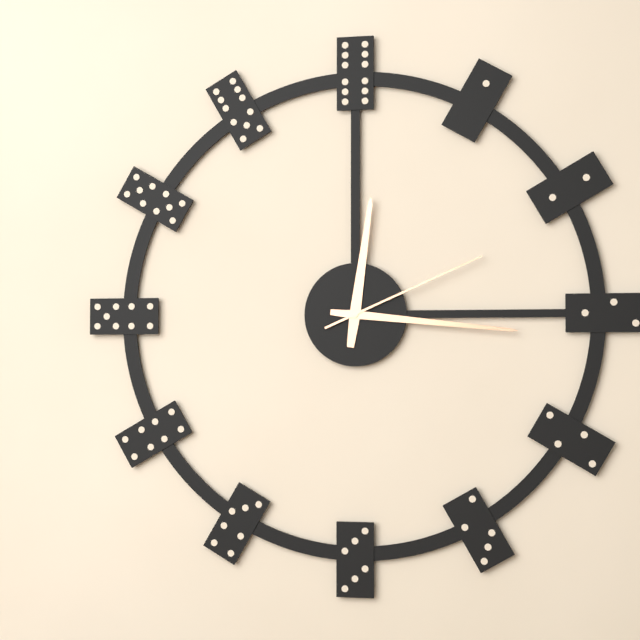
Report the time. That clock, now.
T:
12:16:11
